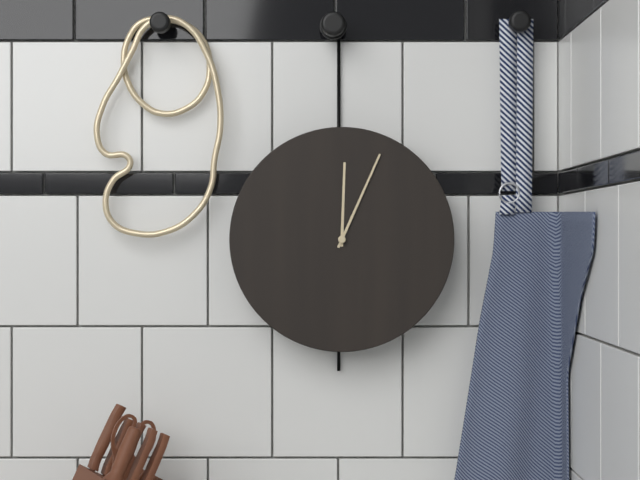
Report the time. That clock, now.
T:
12:04
